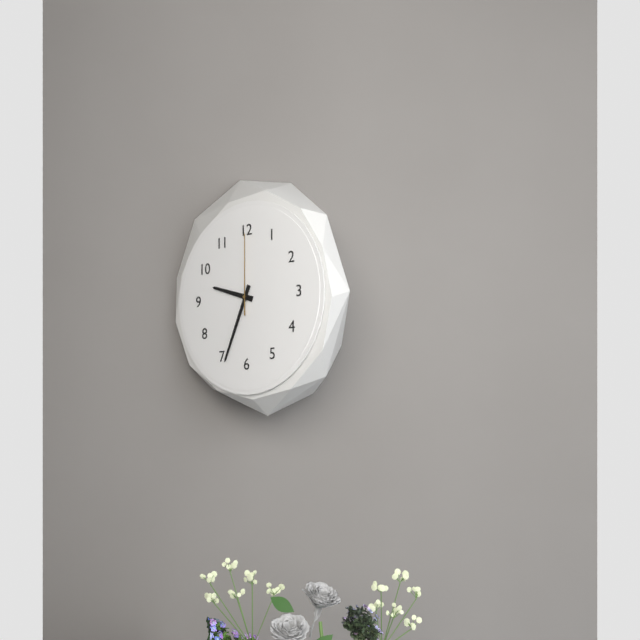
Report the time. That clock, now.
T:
9:34:00
